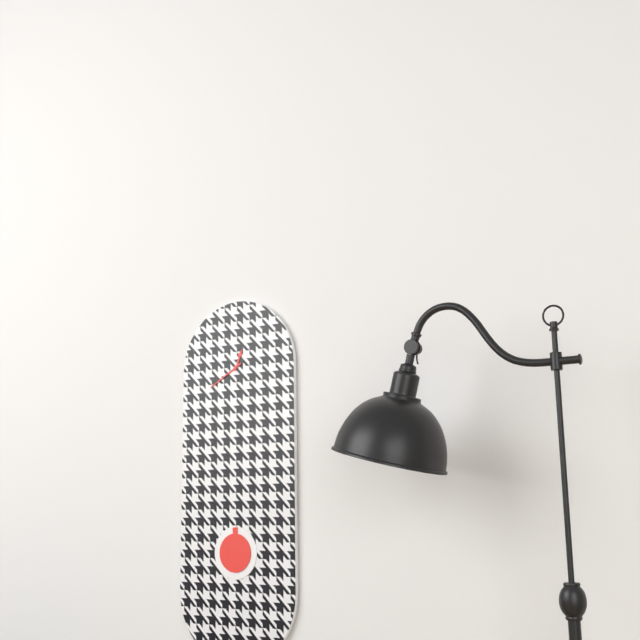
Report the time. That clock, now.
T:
12:40
